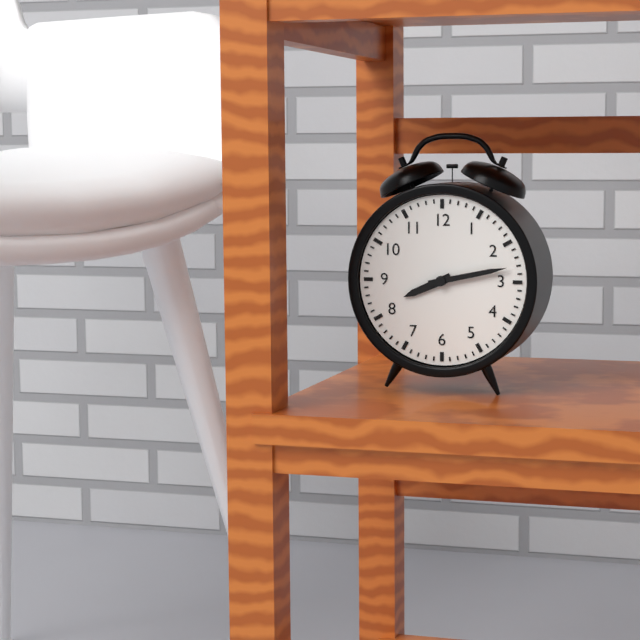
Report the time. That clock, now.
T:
8:13
